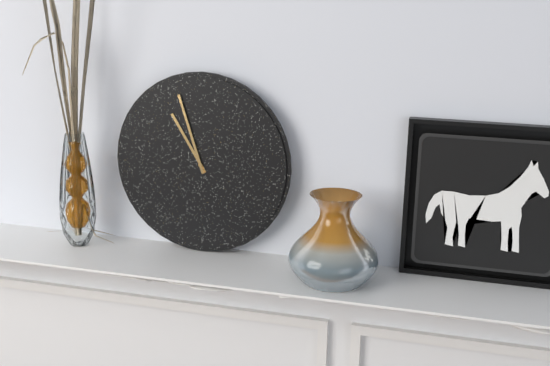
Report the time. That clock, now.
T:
10:57
